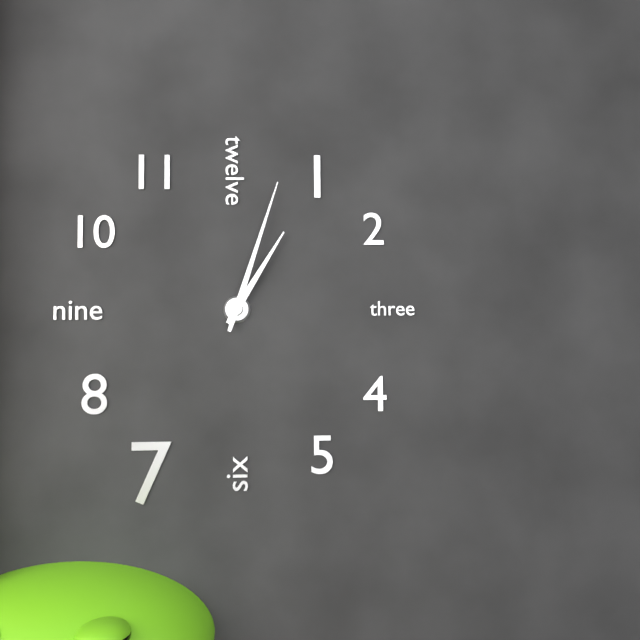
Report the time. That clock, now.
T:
1:03
